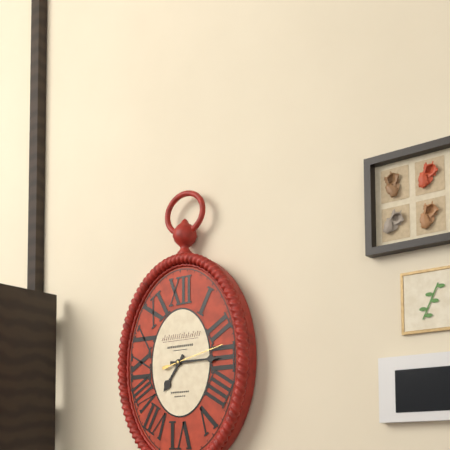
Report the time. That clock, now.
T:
7:15
